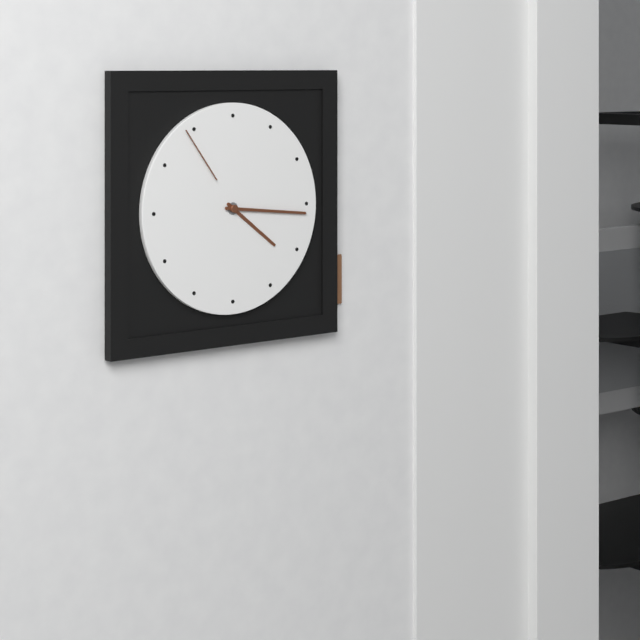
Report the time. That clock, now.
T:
4:16:54
